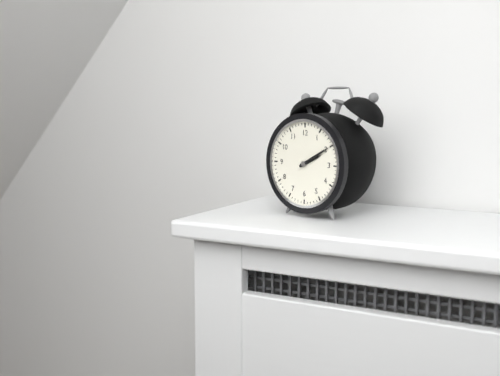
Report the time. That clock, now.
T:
2:10
